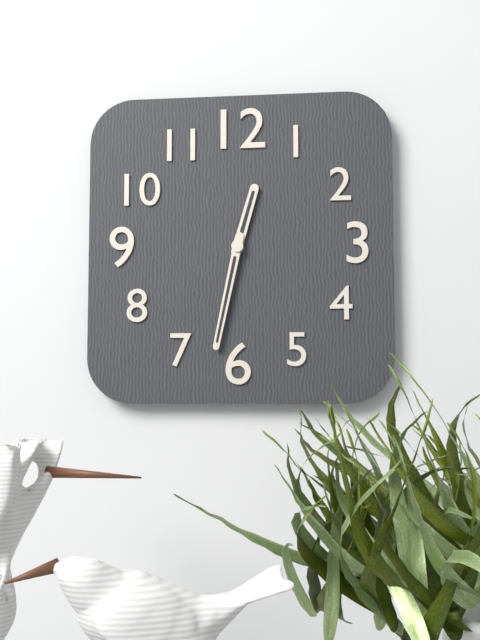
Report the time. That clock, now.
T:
12:32
